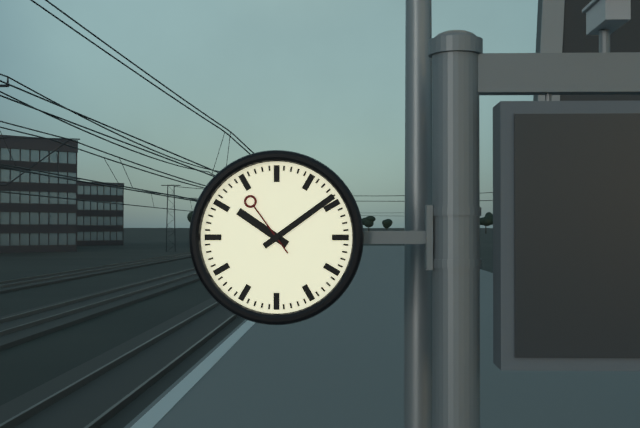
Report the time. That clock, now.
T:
10:09:54
